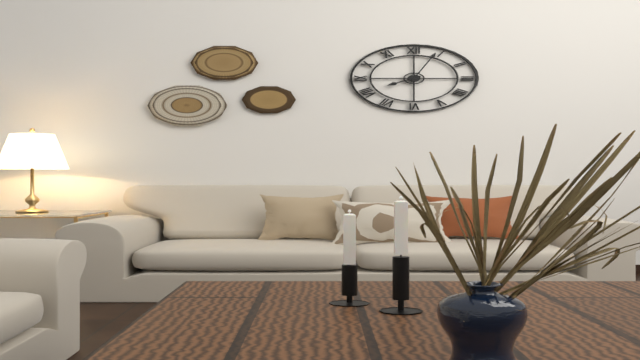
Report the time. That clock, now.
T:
8:04
